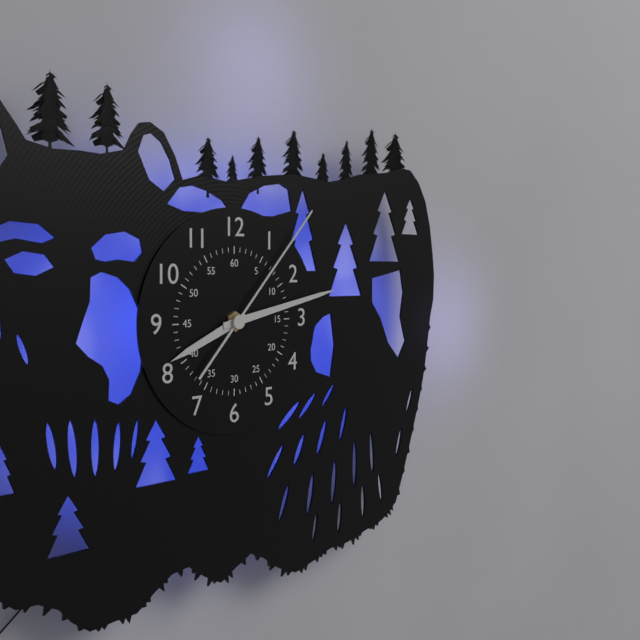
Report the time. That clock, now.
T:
8:13:07
